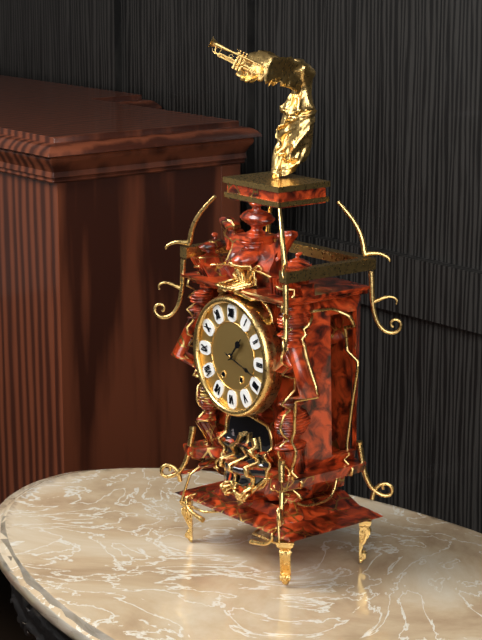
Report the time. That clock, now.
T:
1:18
